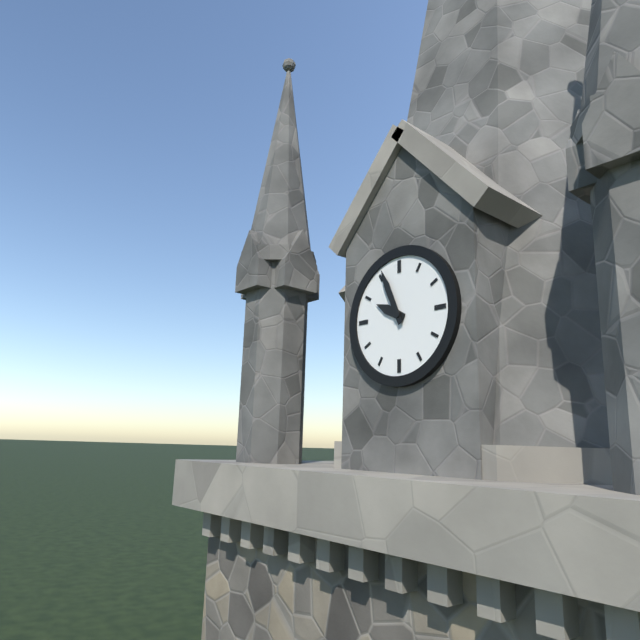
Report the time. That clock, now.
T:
9:56
